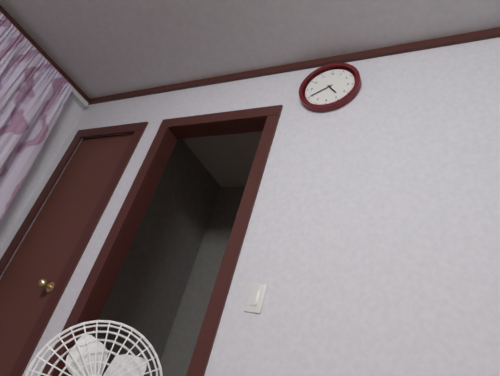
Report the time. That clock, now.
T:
4:40
